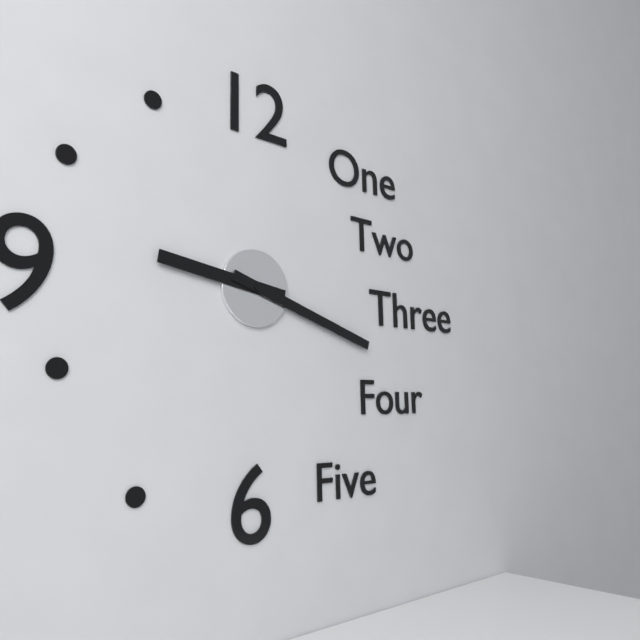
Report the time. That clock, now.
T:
9:18
